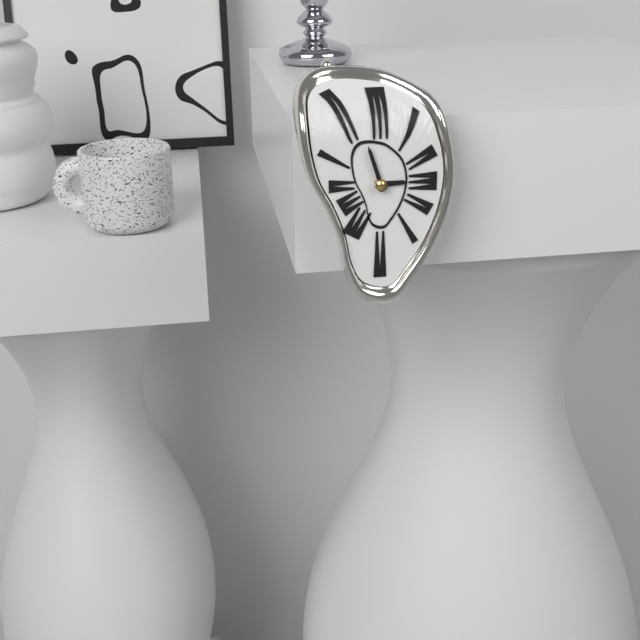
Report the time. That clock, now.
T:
2:57
